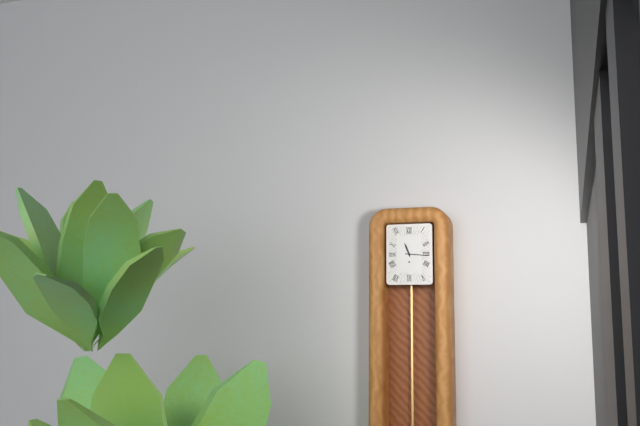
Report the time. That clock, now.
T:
11:16
